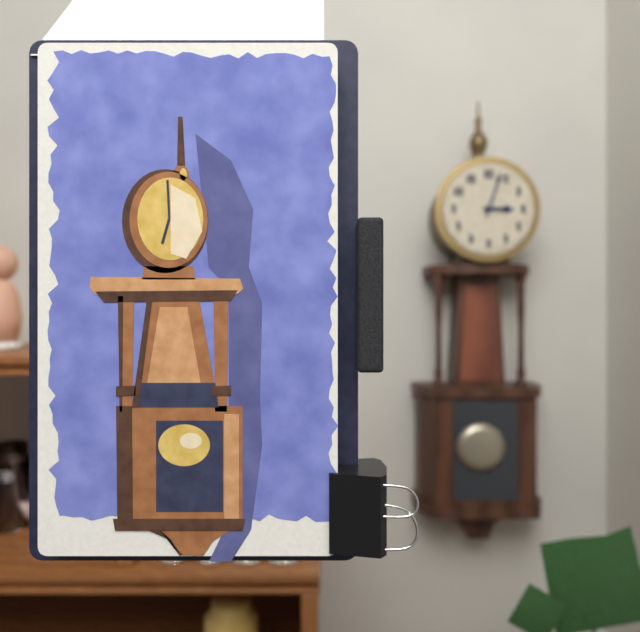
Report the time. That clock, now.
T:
3:03
